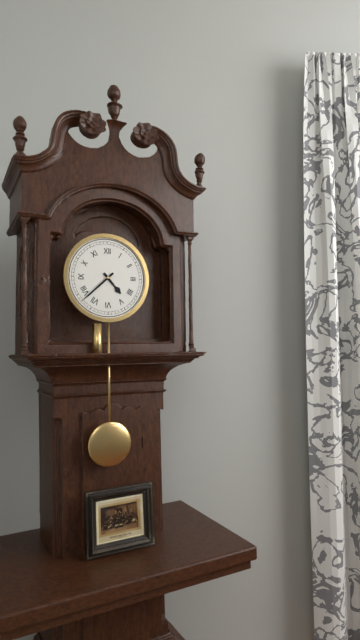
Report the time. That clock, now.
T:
4:38
